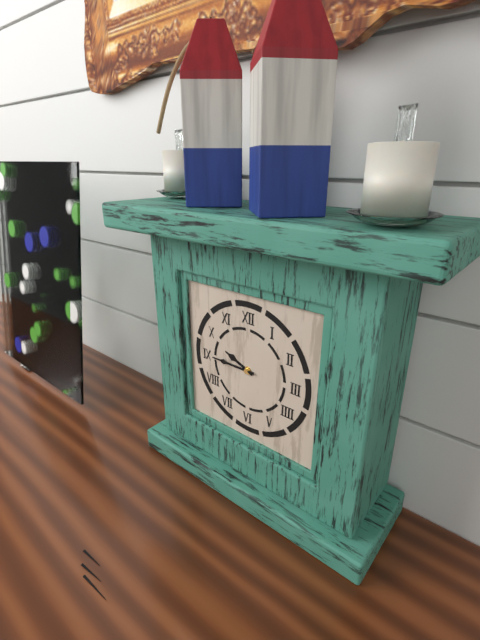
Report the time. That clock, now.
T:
9:45
